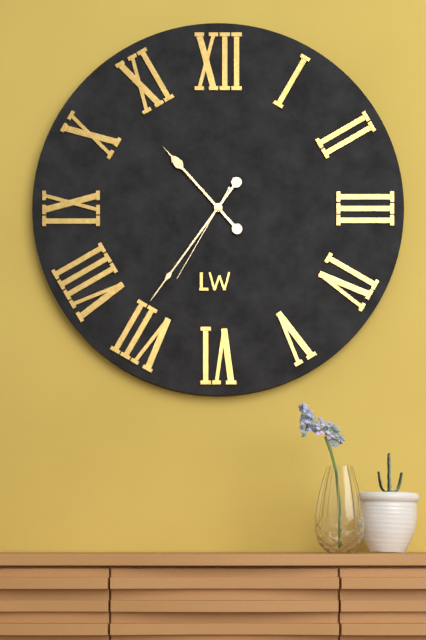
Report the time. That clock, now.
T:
10:36:35
